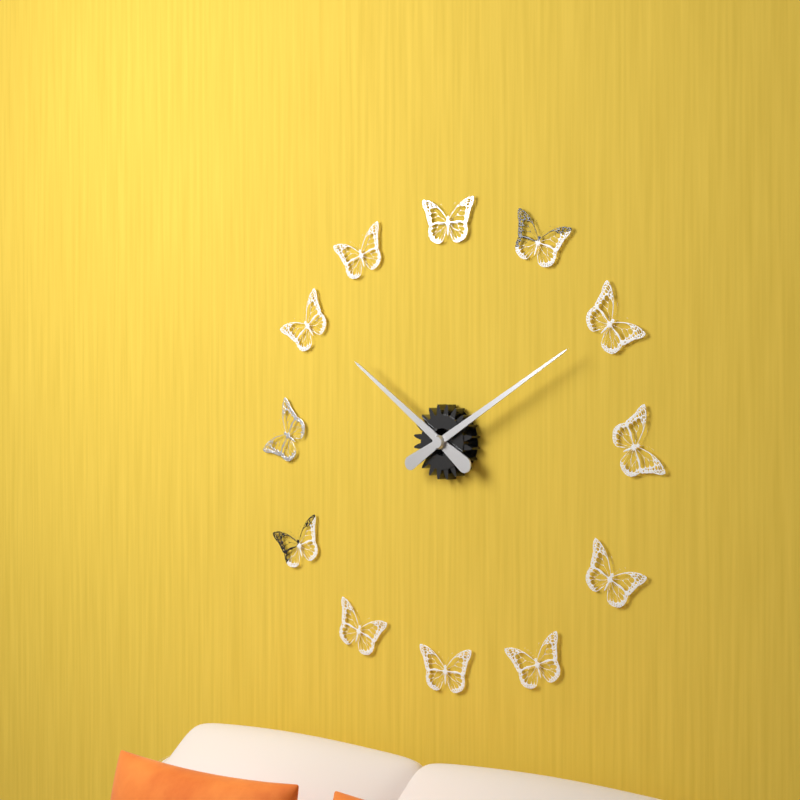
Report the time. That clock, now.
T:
10:10
